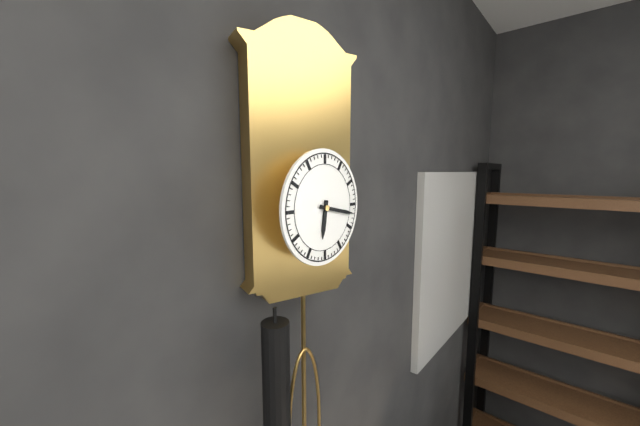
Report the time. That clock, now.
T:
6:17
